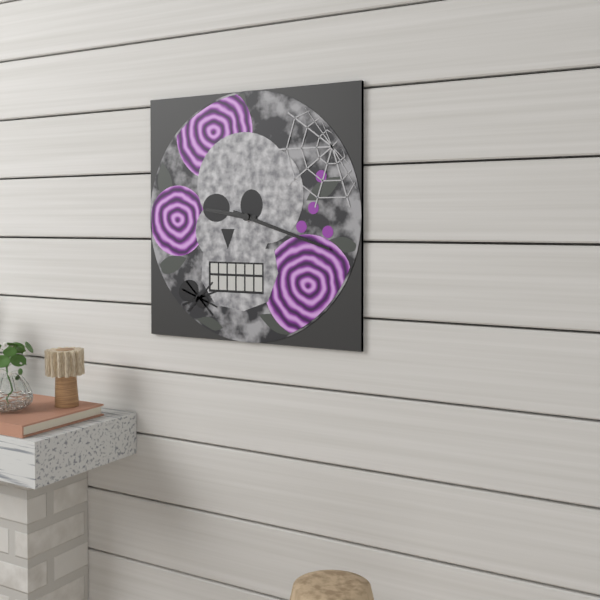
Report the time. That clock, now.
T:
9:18
